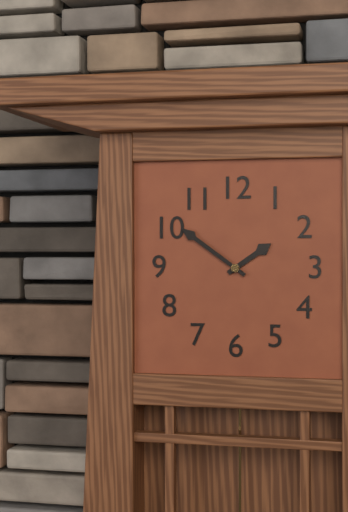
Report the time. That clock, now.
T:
1:51
